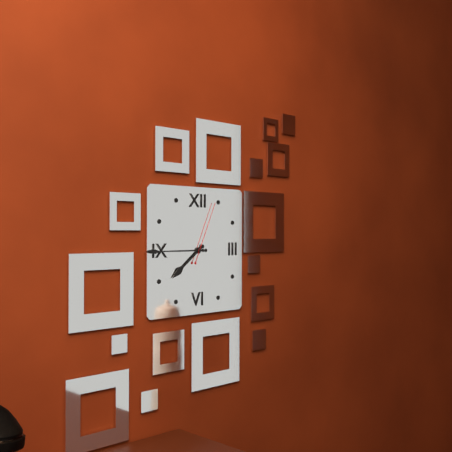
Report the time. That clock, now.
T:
7:45:04
